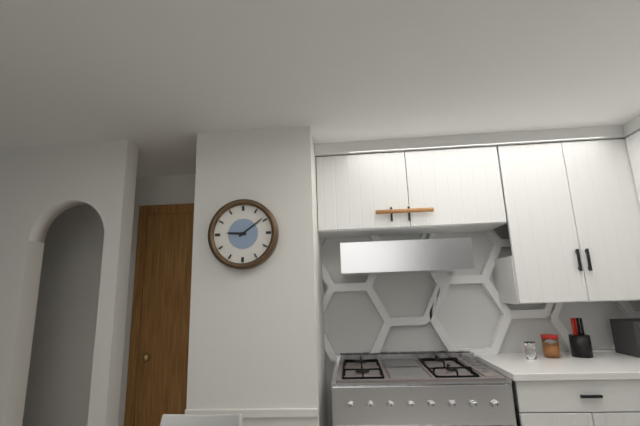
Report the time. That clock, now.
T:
9:09
